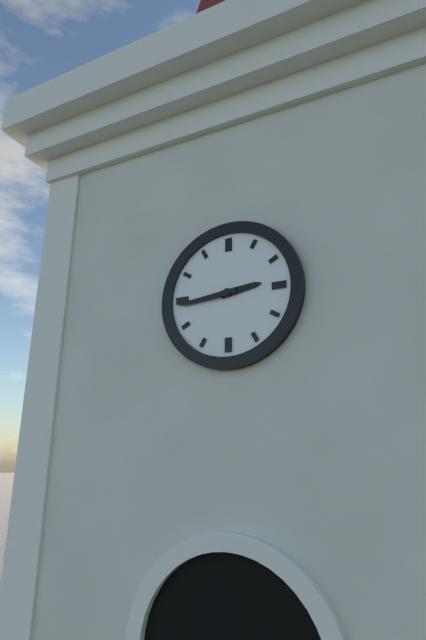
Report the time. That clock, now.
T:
2:44
